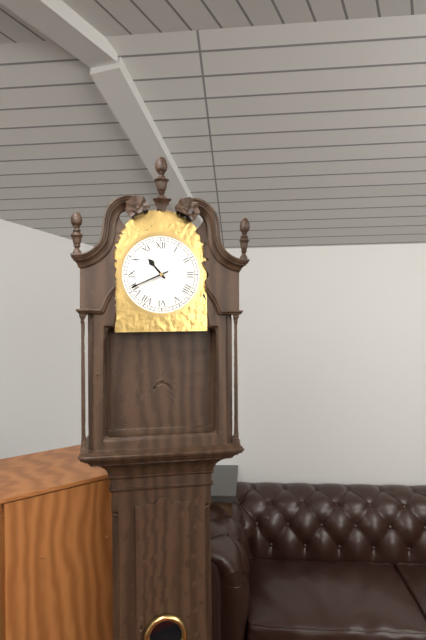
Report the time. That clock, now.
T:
10:41
